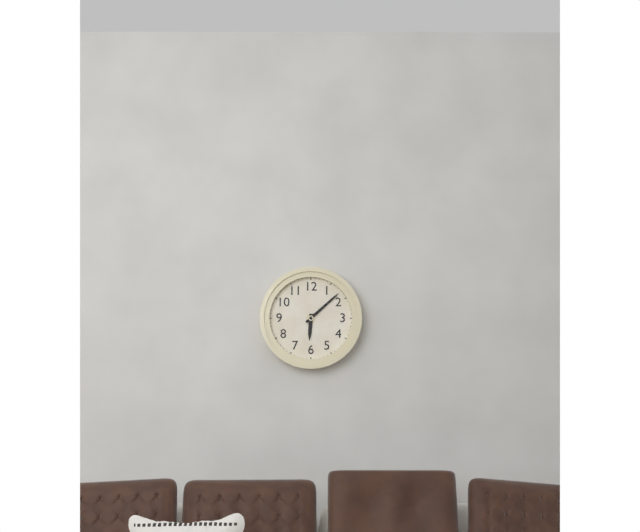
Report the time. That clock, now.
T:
6:08
